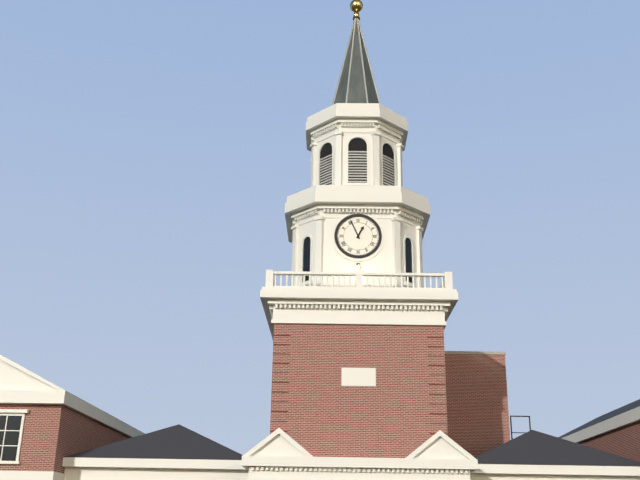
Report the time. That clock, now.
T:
12:56
